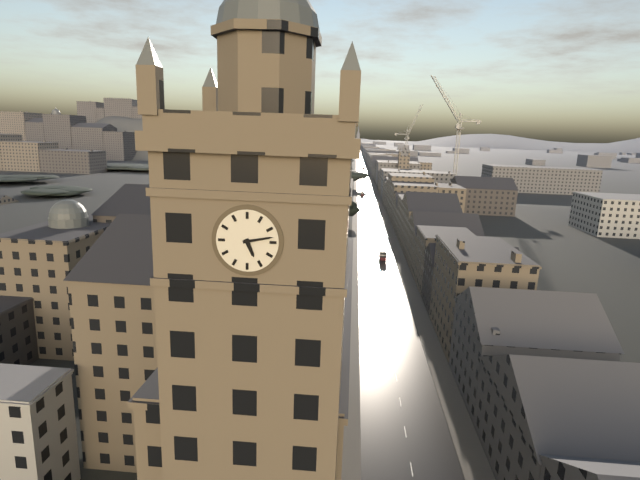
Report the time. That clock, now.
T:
5:13
